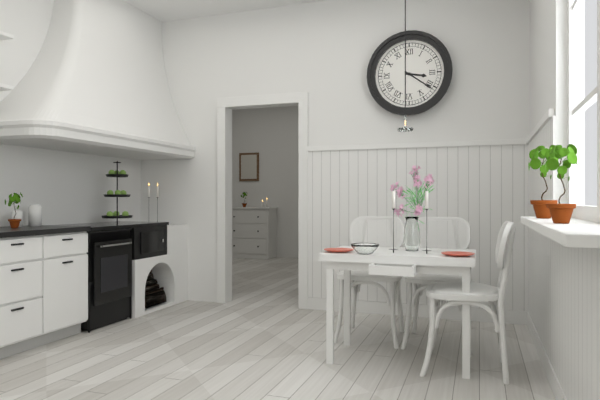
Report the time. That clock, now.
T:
3:21
